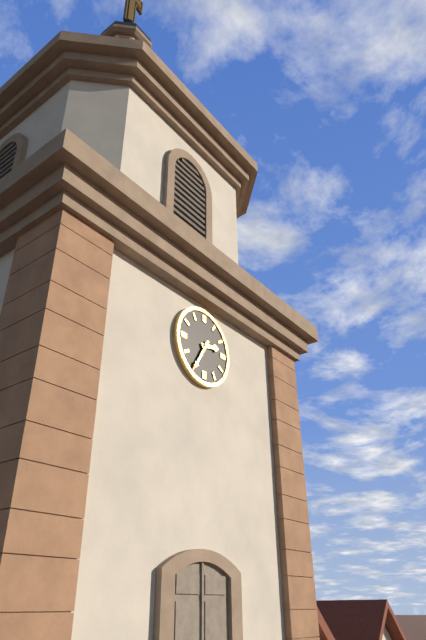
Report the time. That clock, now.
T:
2:35
